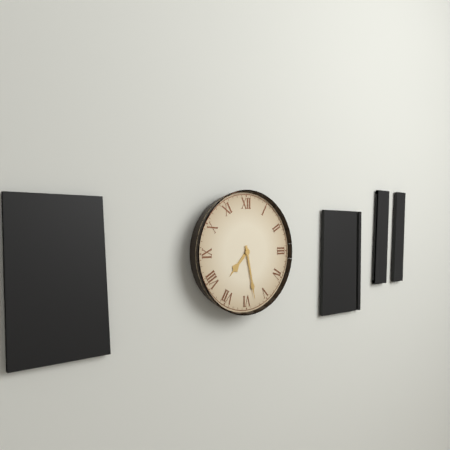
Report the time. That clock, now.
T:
7:28
